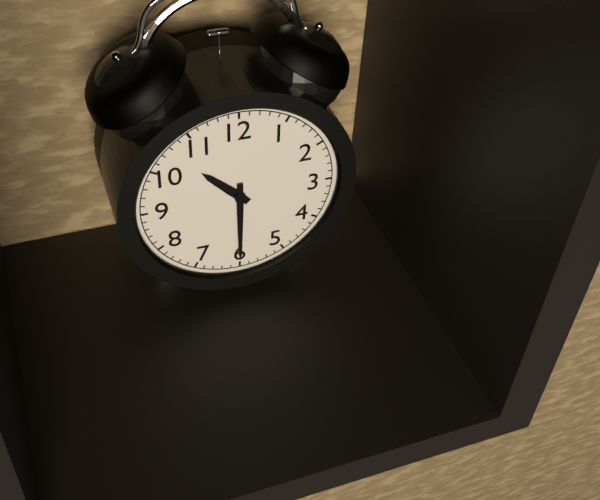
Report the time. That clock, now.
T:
10:30
